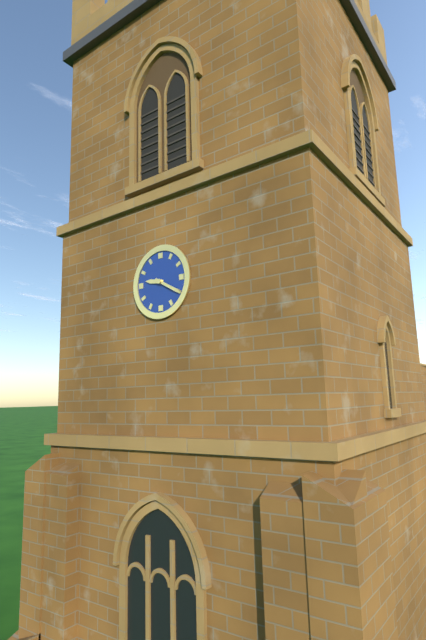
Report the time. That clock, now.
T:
9:20
